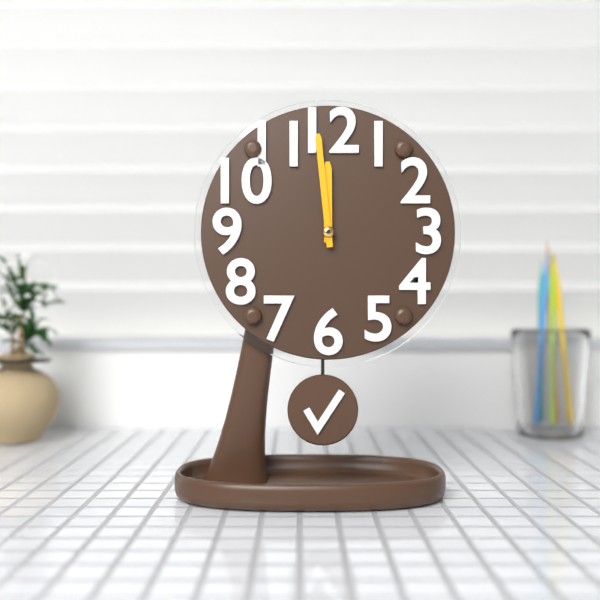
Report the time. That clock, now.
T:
11:59
